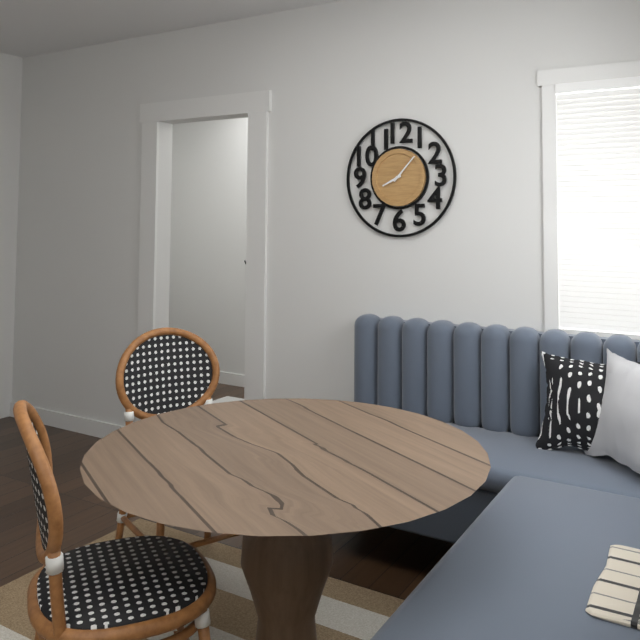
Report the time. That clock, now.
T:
8:07
